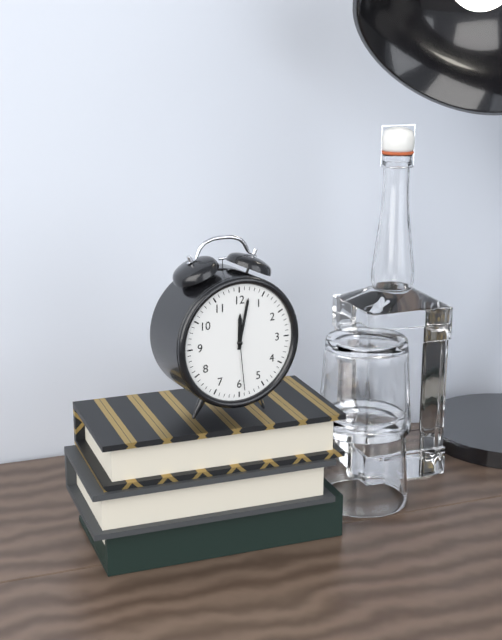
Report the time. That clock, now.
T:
12:02:29
